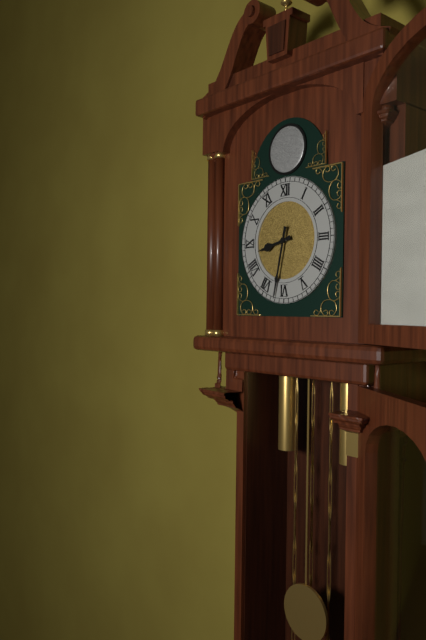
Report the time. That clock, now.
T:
8:32
